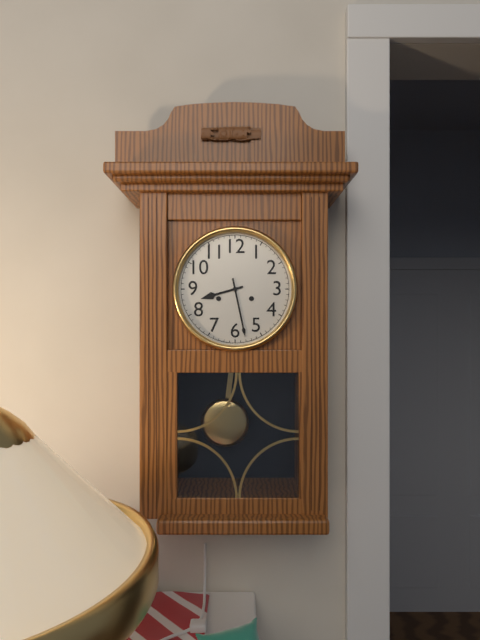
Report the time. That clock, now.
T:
8:28
